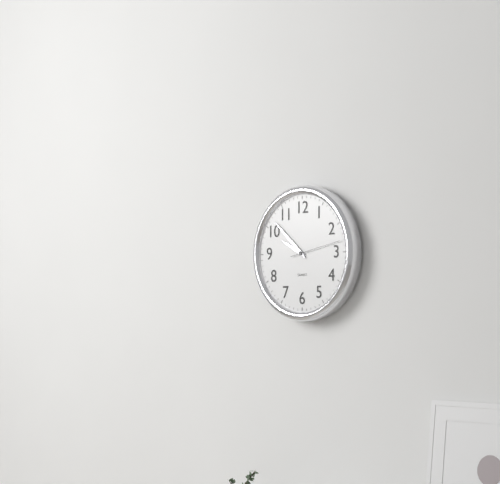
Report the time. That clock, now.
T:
9:52
